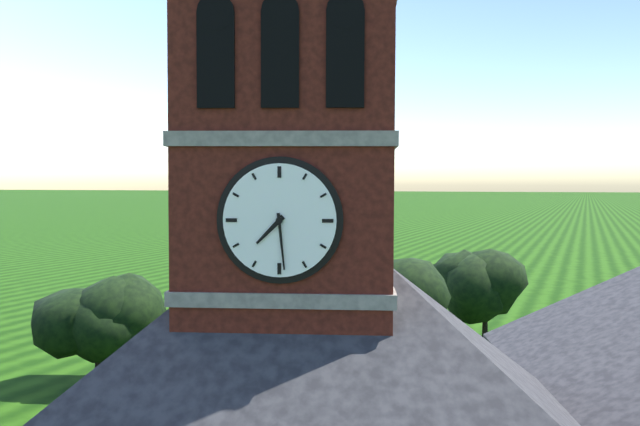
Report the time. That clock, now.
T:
7:29
